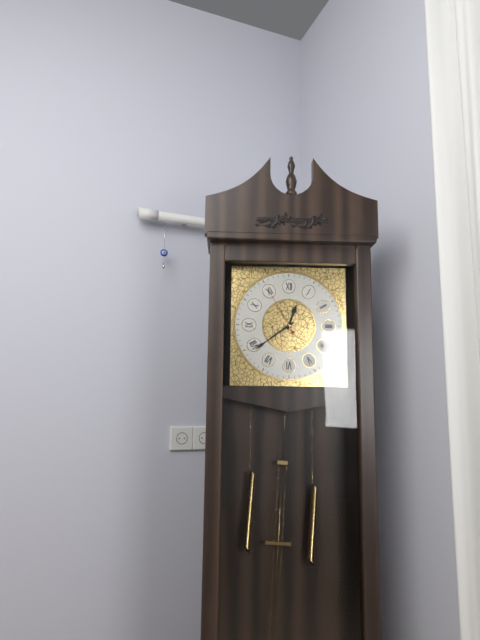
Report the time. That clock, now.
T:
12:39:55
